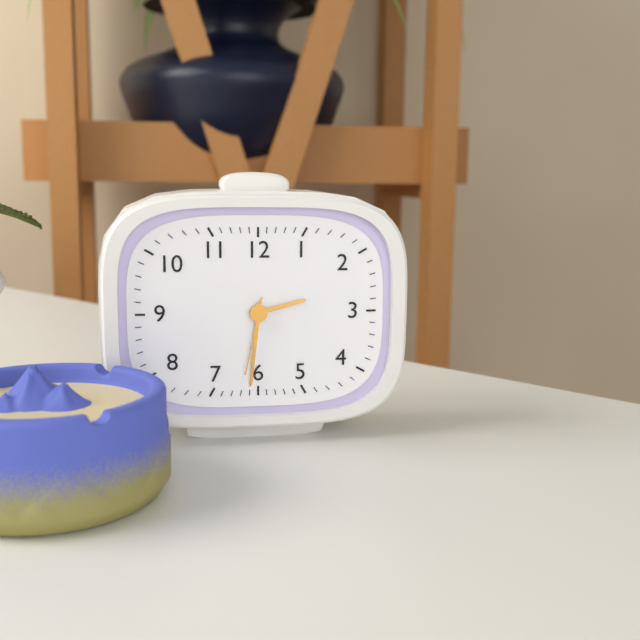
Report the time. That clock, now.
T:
2:31:32
